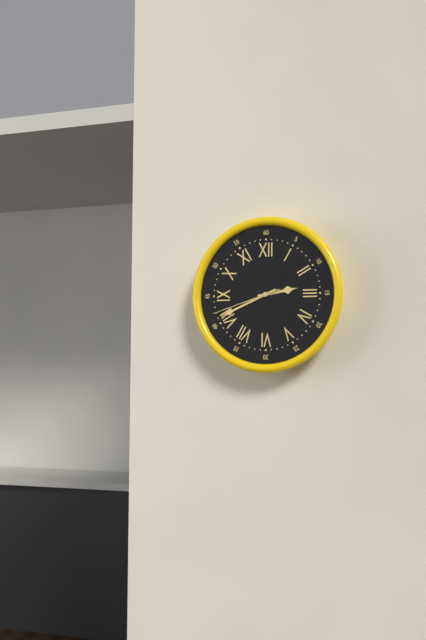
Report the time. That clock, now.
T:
2:41:42
